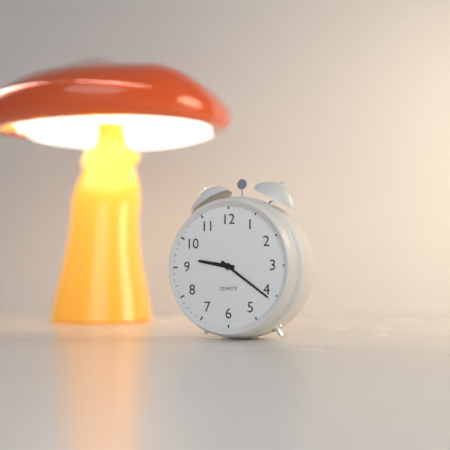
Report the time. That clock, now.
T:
9:21
